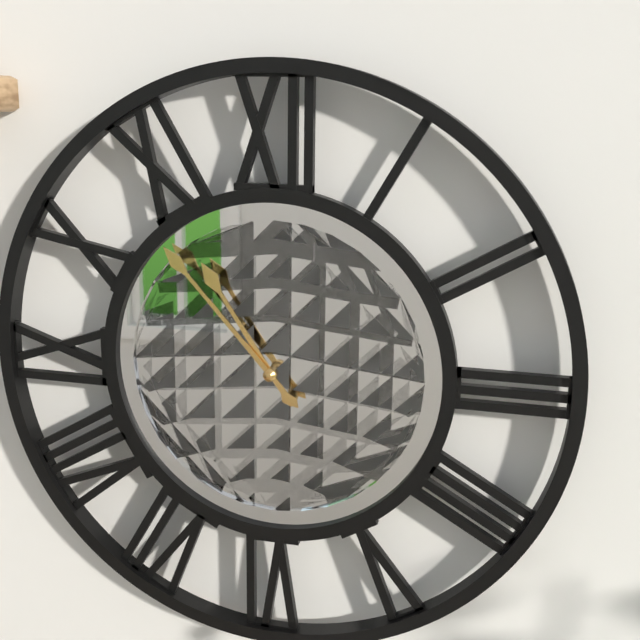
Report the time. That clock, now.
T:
10:53
